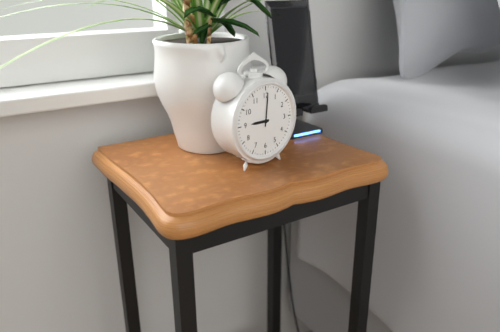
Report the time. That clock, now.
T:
9:01
